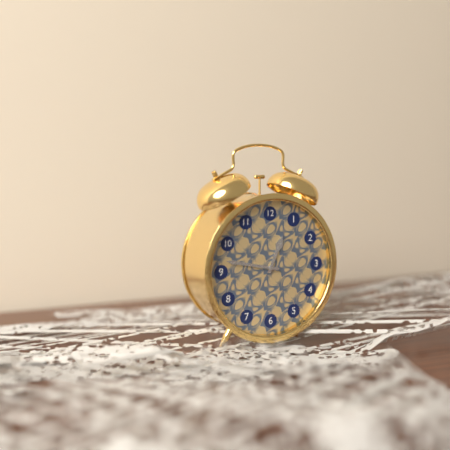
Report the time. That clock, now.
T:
12:47
